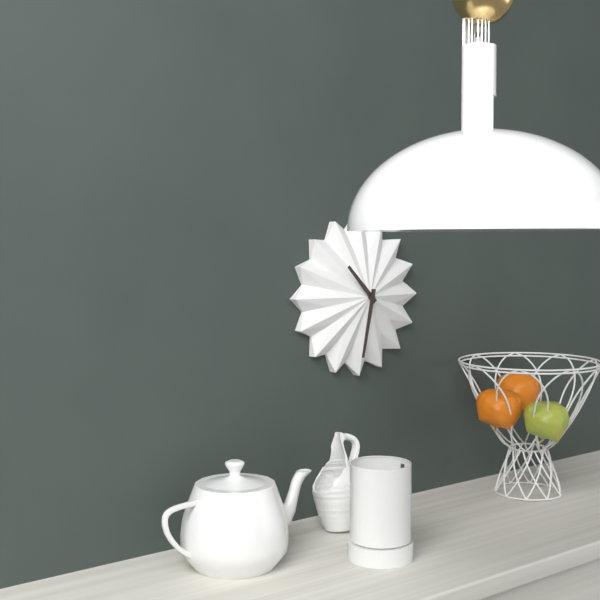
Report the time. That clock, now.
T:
10:32
